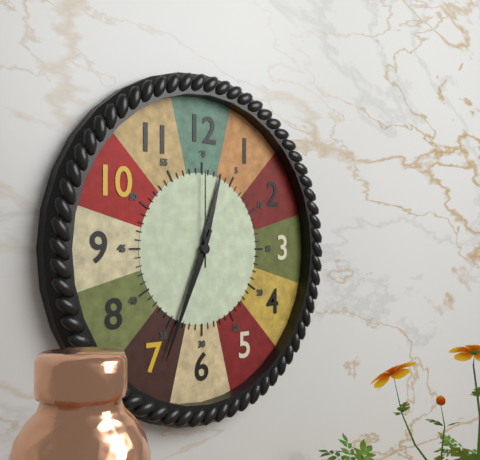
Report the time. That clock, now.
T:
12:34:00
